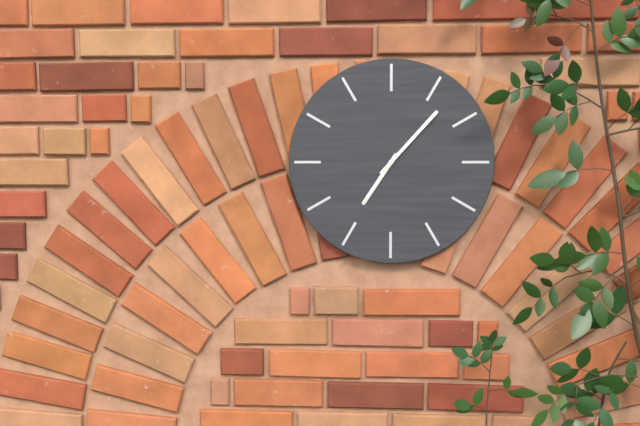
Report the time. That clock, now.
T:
7:07
